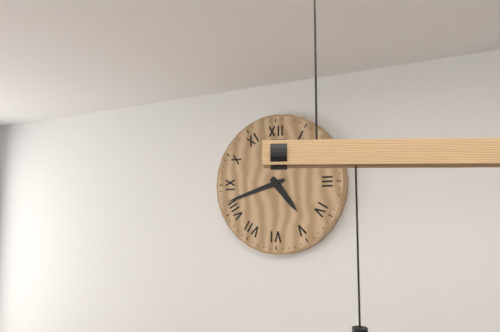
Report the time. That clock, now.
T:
4:42
